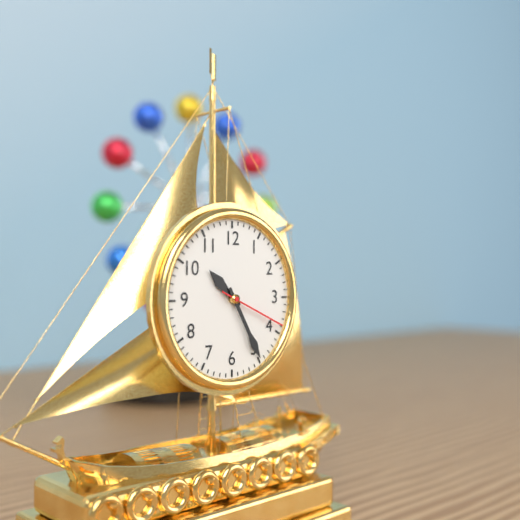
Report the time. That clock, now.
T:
10:25:19
